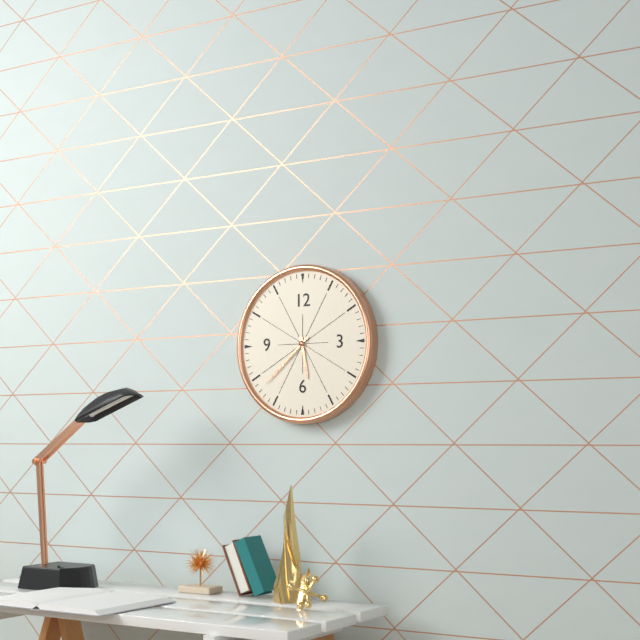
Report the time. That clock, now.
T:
5:38
